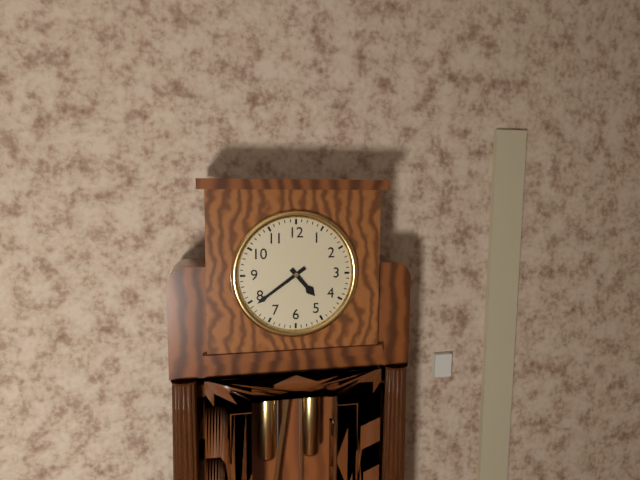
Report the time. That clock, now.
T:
4:39
